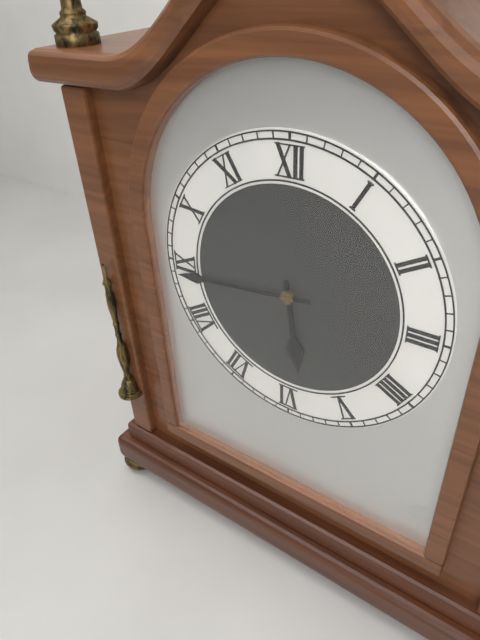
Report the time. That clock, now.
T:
5:44
